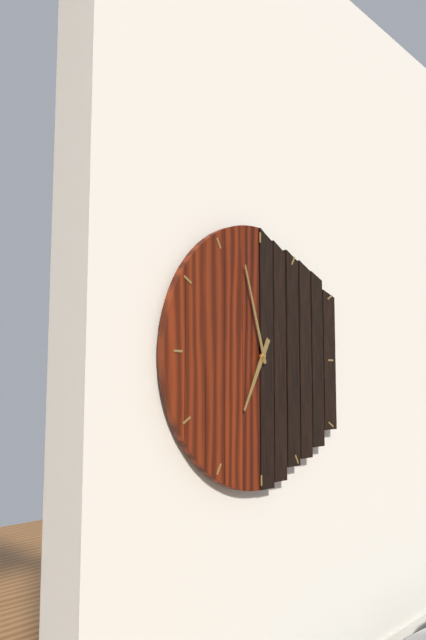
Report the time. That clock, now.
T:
6:57
